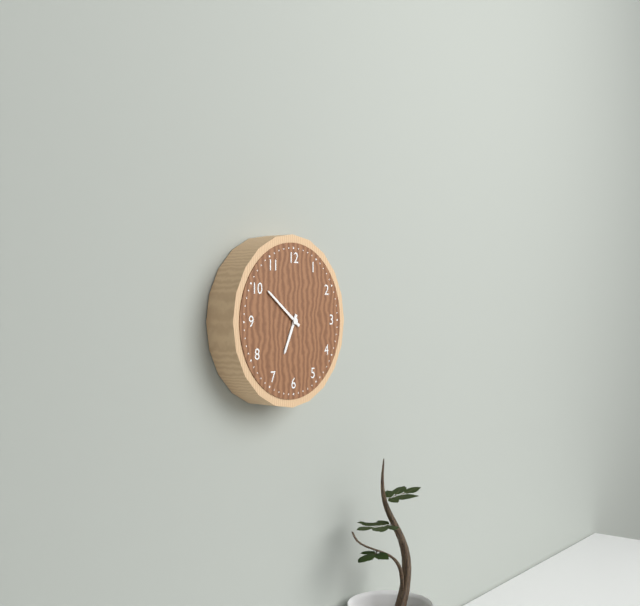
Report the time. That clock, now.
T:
6:51
